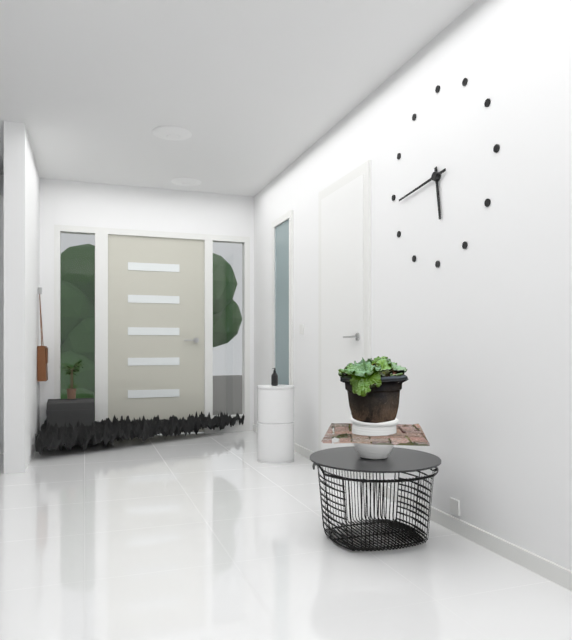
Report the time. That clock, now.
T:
5:44
